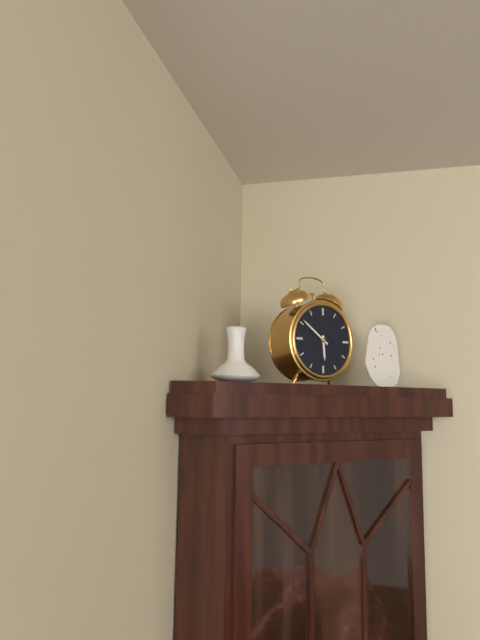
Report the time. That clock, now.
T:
5:51
